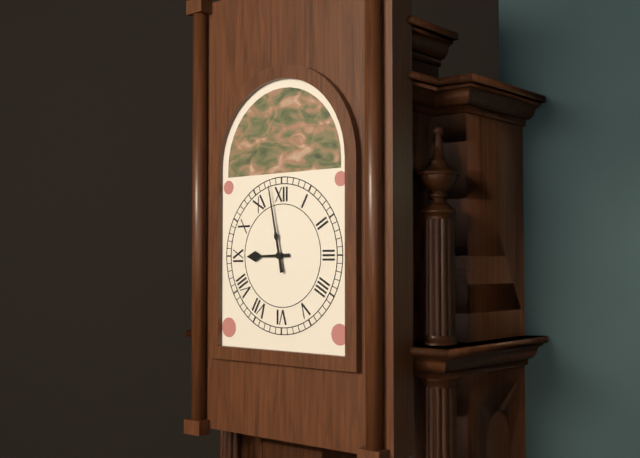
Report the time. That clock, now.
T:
8:58
